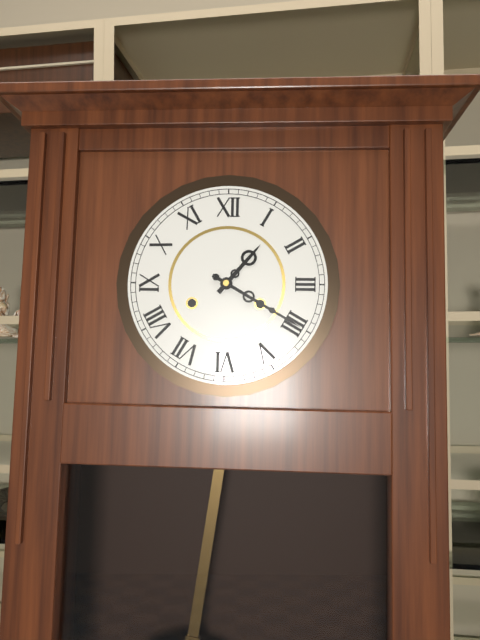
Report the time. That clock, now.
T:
1:20
